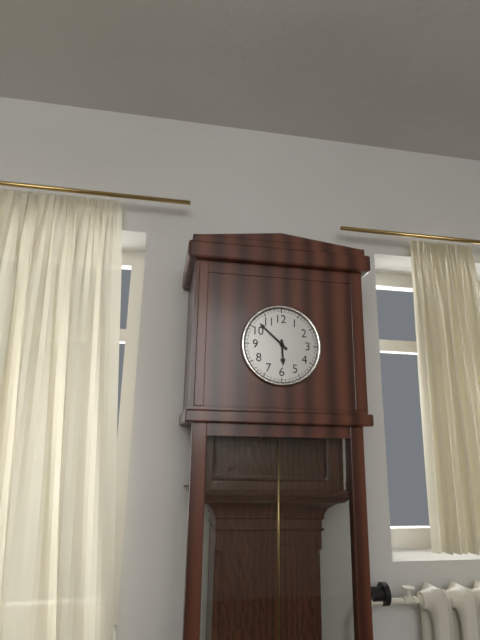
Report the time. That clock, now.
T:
5:52
